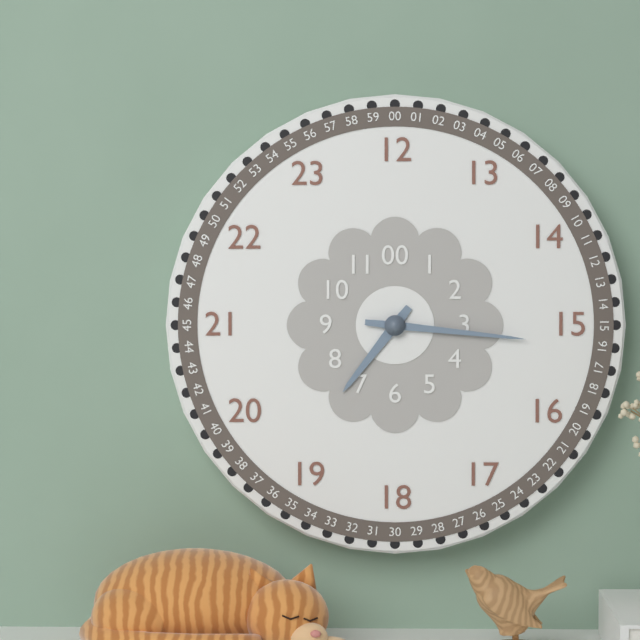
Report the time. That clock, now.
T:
7:16
